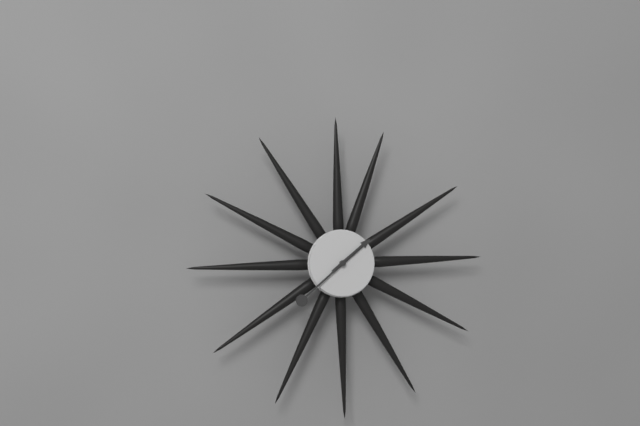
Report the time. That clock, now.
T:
1:38
